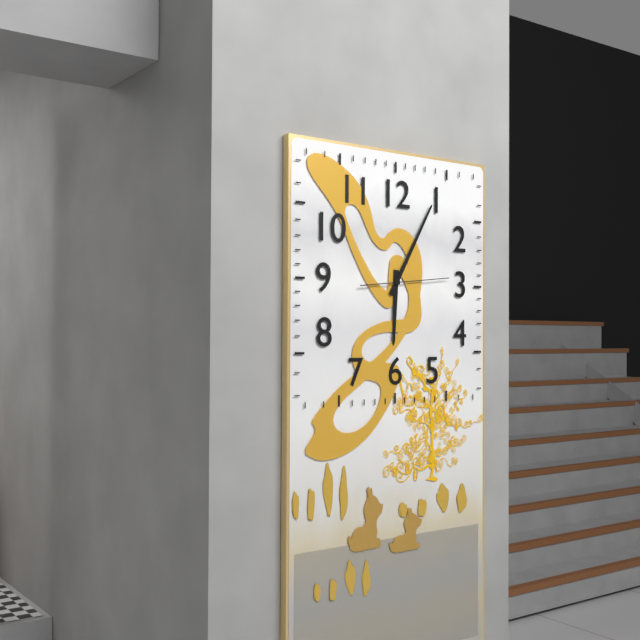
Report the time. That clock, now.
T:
6:05:14
